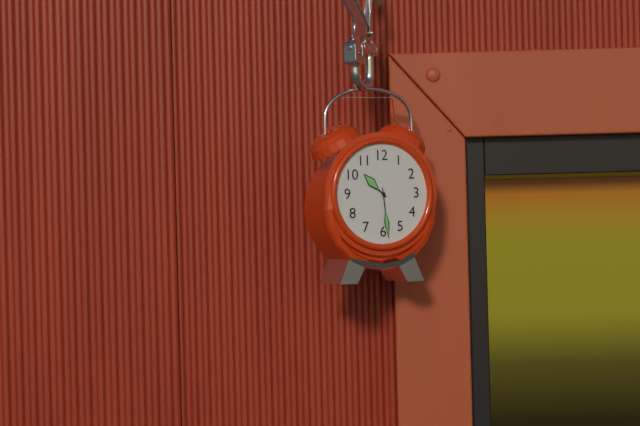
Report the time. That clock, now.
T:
10:29
